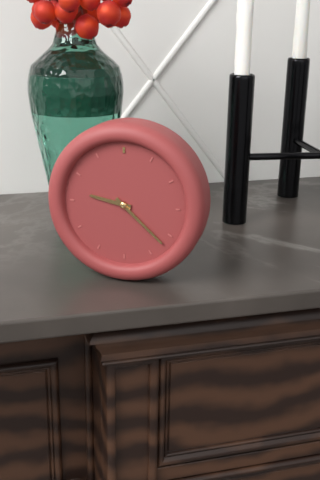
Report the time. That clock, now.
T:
9:22
